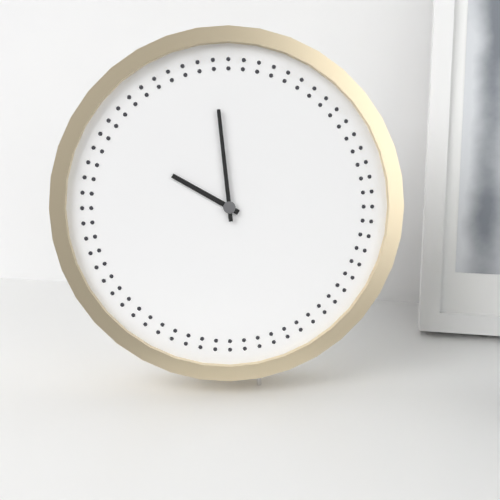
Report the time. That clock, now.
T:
9:59
